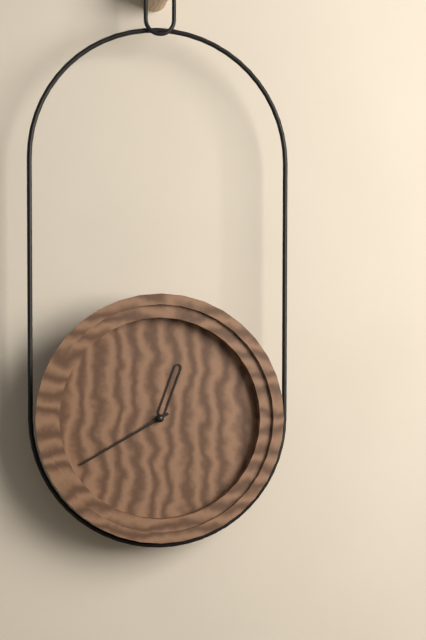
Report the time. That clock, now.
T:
12:40
